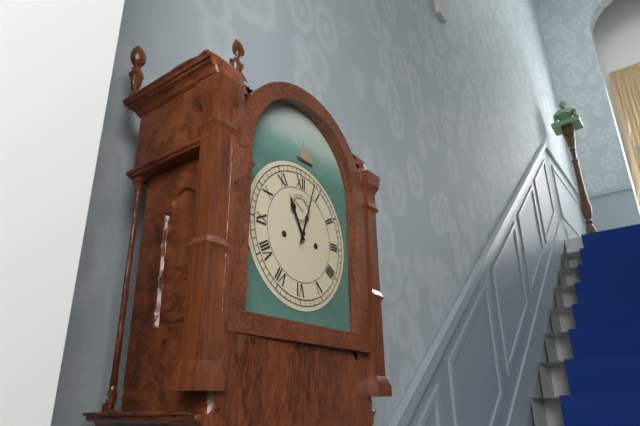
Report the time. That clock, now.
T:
11:03
